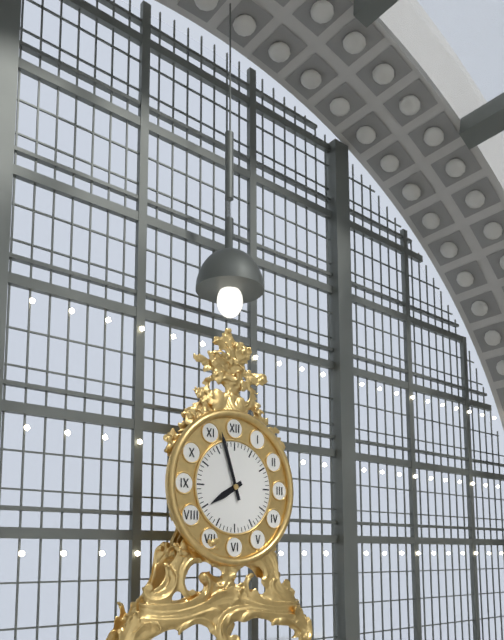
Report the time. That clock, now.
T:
7:57
